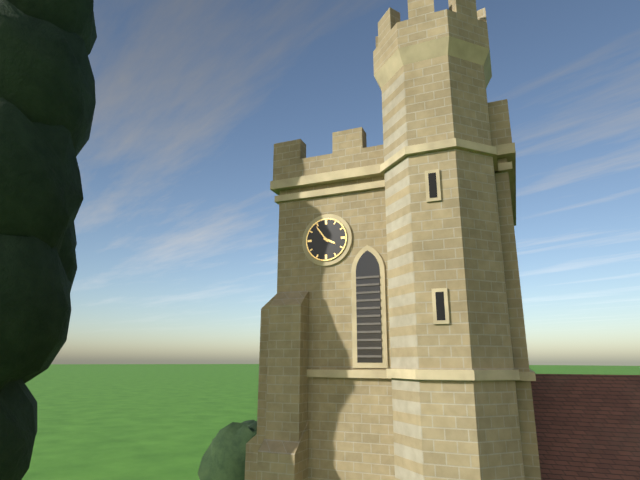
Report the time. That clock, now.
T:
3:54
